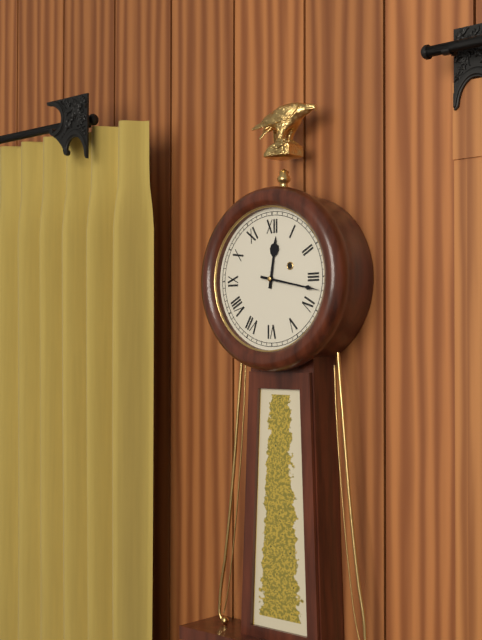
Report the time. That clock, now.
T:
12:17
